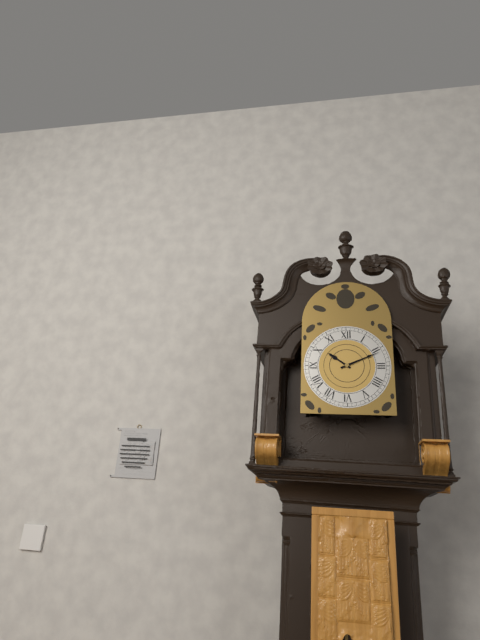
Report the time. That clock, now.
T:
10:11
